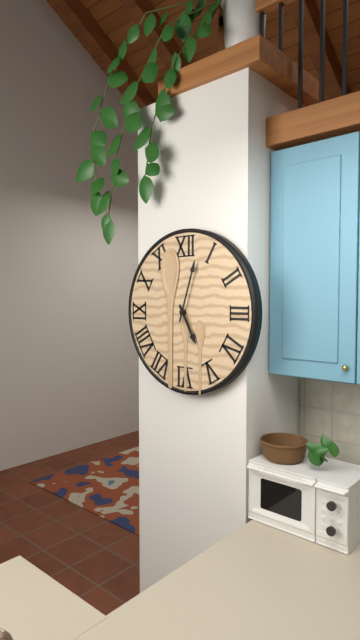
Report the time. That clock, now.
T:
5:03
